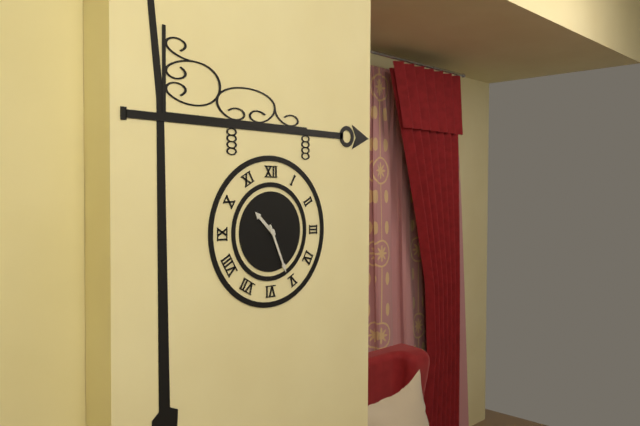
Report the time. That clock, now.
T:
10:26
